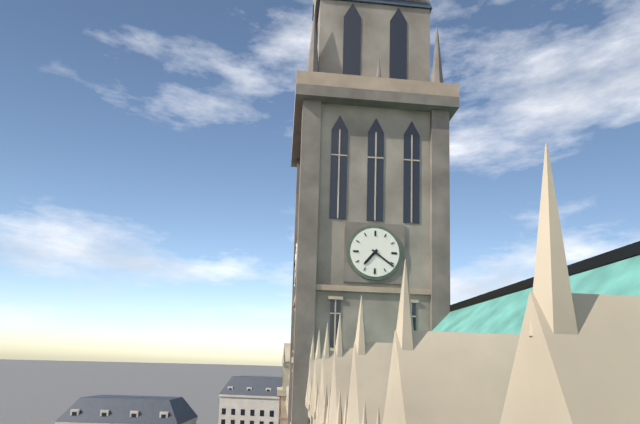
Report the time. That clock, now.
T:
7:21
